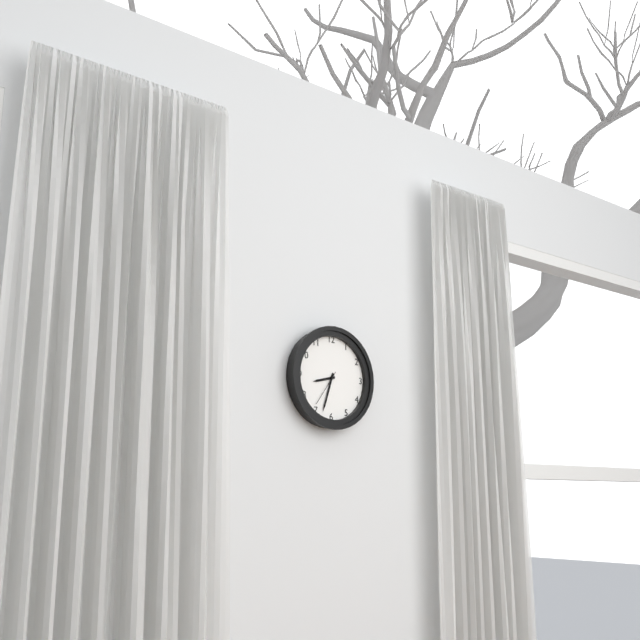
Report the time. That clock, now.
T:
8:33
